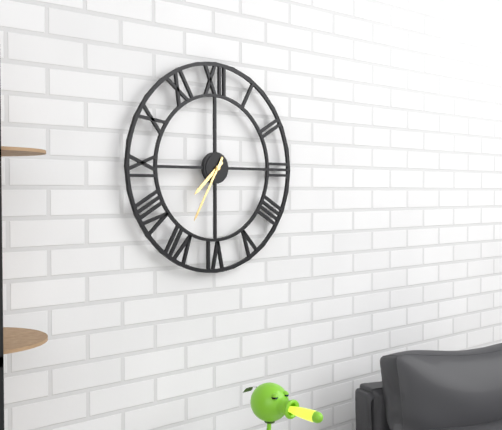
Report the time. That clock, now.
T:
7:35
